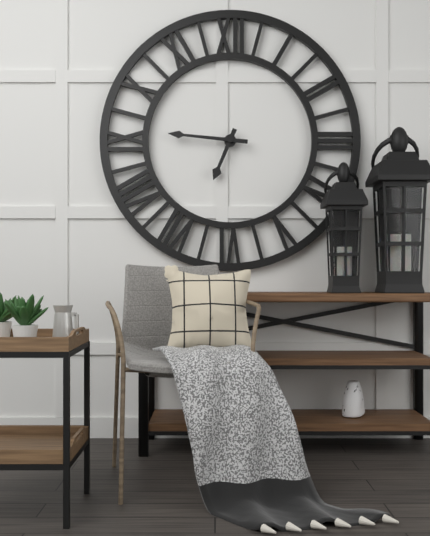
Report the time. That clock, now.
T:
6:46
